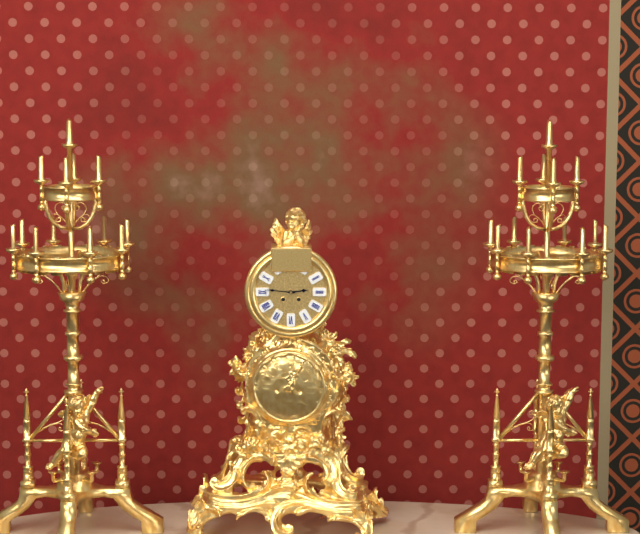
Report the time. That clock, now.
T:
2:46
